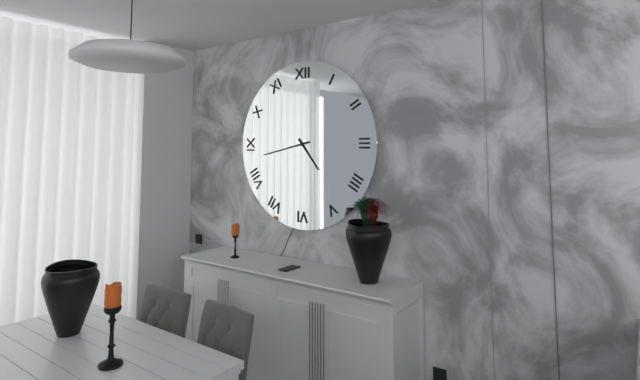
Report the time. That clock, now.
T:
4:43
